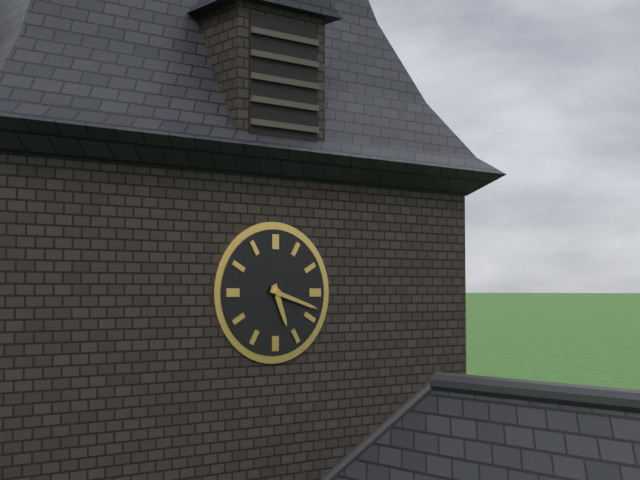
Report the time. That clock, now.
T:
5:18
